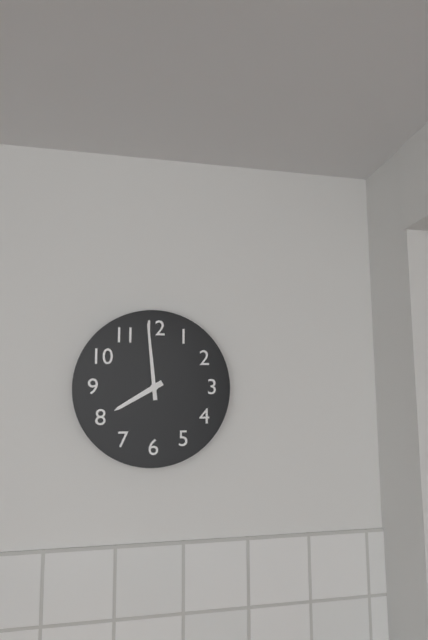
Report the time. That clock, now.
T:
7:59
